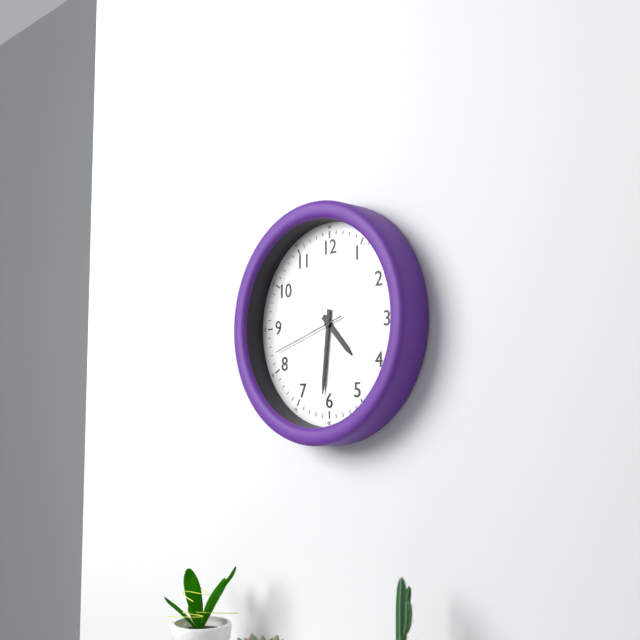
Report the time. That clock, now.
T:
4:31:42
